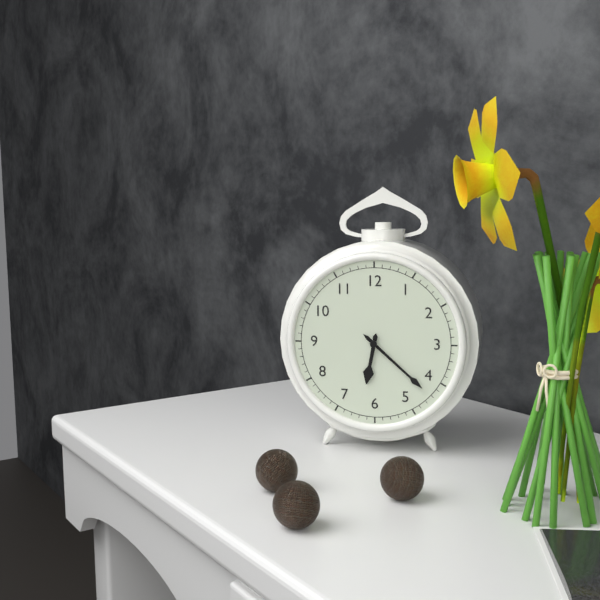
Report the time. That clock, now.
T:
6:22
